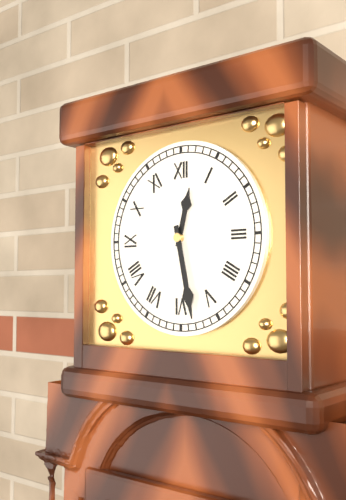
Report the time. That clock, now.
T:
12:28
